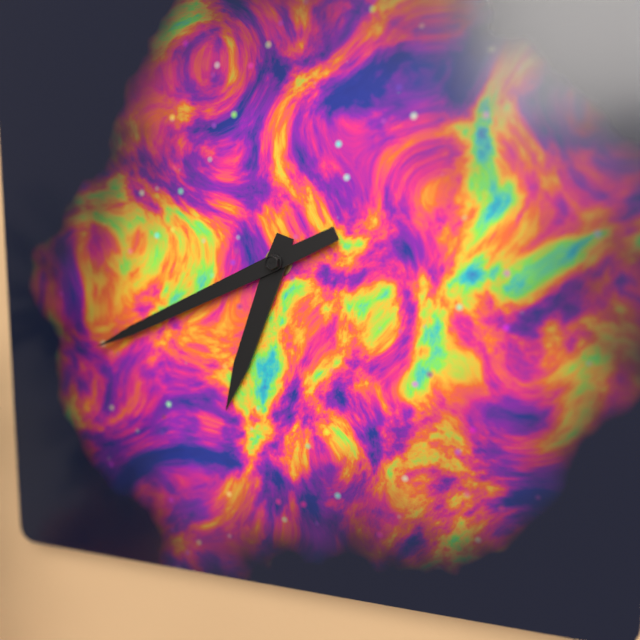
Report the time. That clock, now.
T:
6:41
